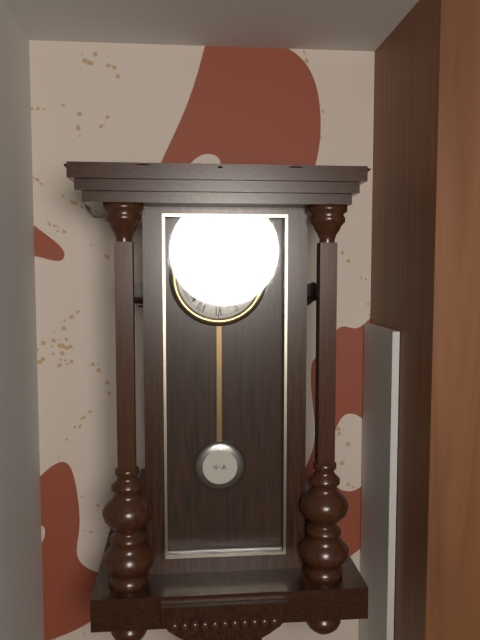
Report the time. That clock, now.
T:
11:38
